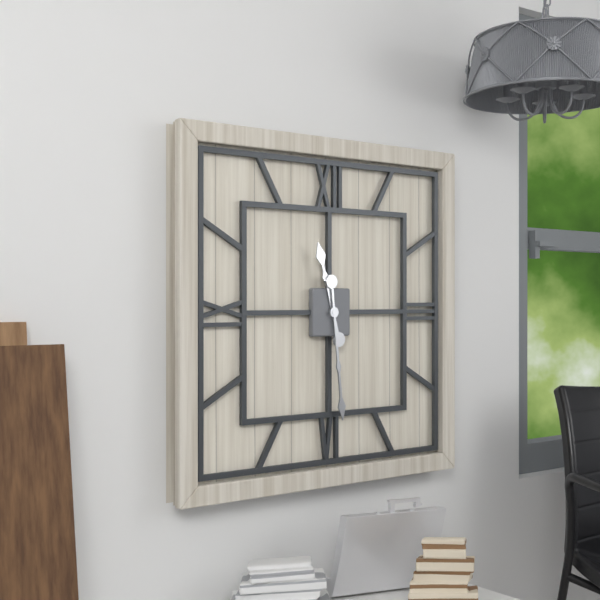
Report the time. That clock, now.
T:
11:29
